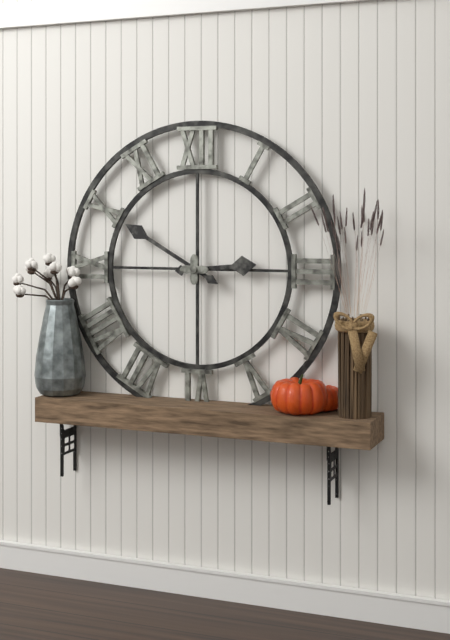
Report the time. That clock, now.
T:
2:50
